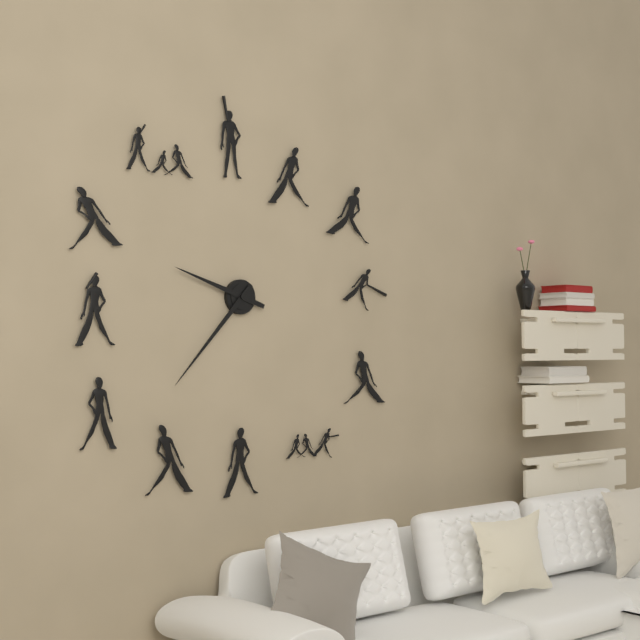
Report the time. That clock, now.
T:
9:37
